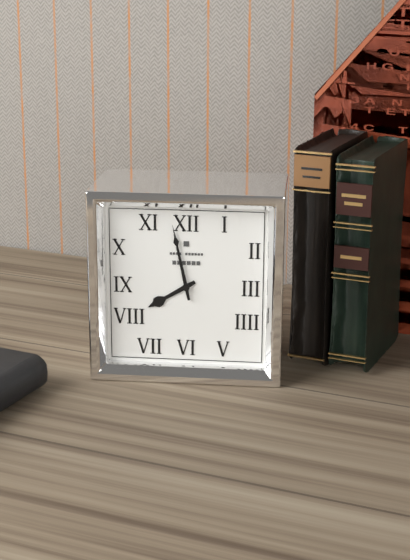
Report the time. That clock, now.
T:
7:58
